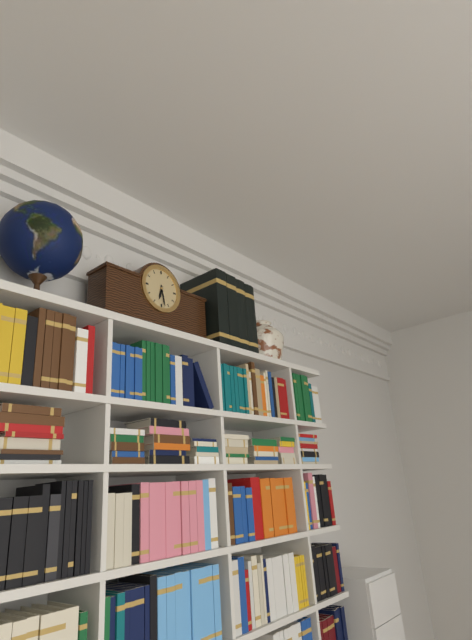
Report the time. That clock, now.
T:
6:28
